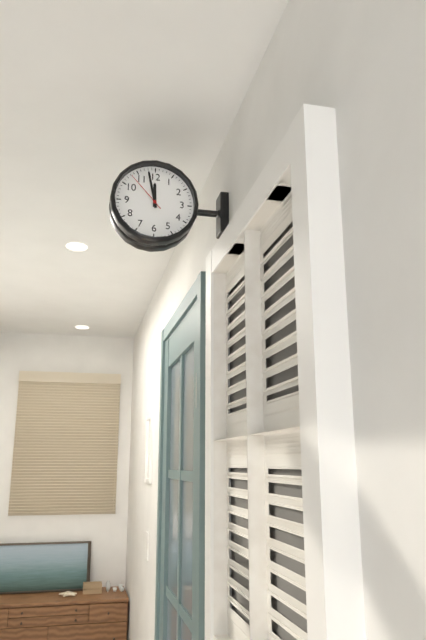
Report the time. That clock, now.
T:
11:58
